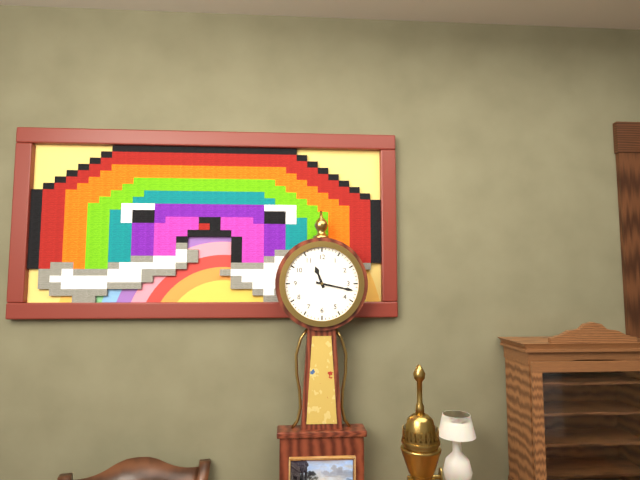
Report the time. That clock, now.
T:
11:17
